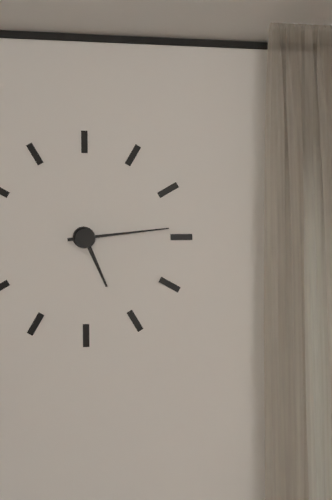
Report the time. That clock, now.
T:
5:14
